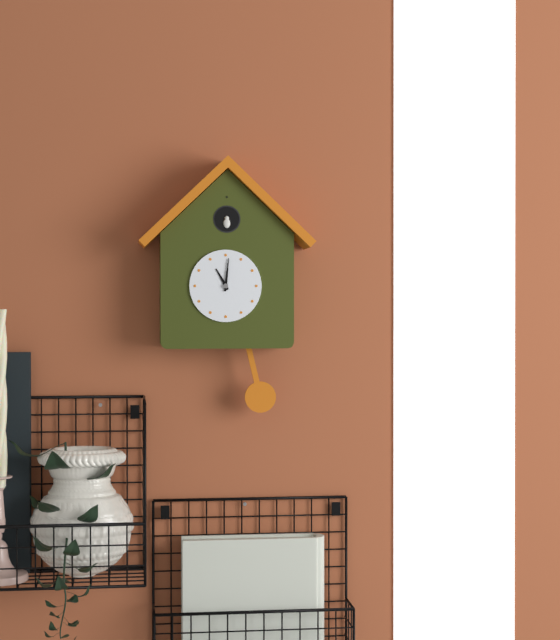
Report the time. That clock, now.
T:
11:01
